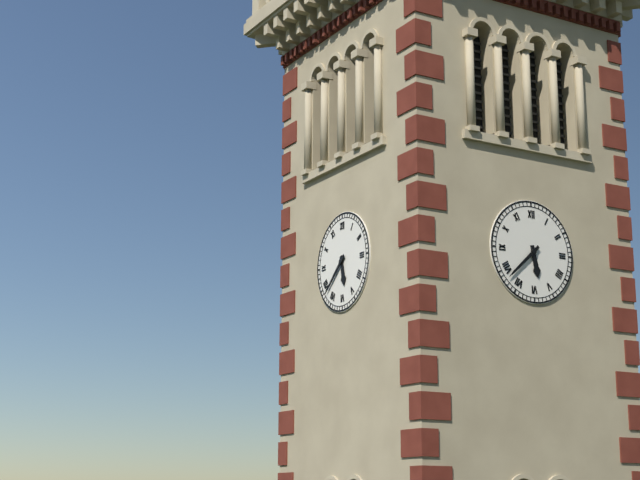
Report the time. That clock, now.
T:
5:38
